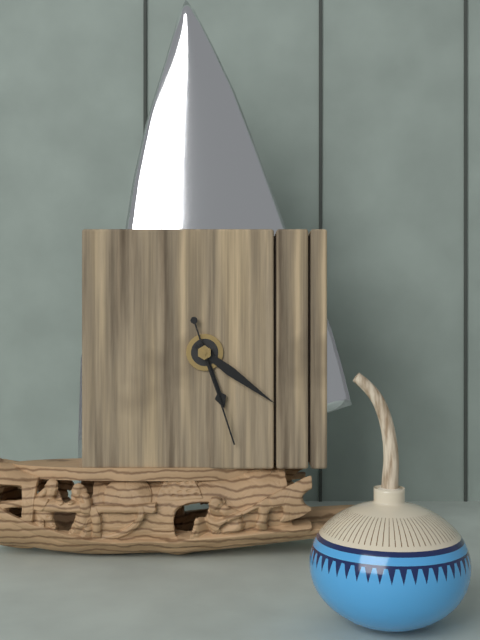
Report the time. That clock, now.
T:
5:21:27
